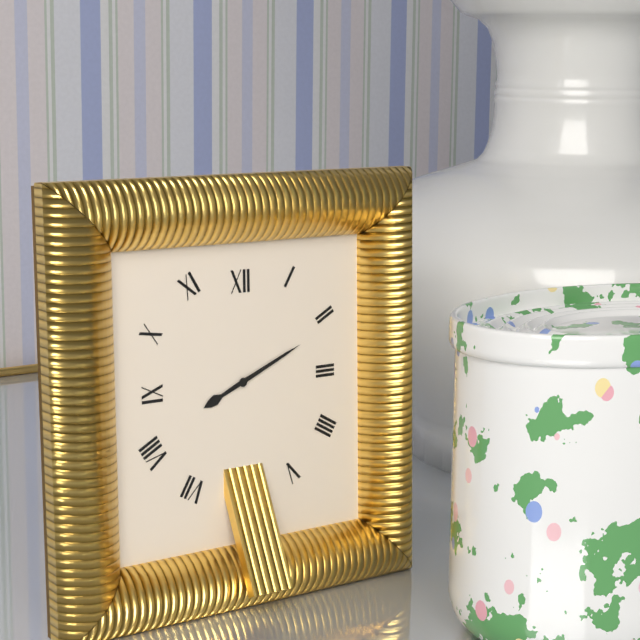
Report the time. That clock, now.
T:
8:11
